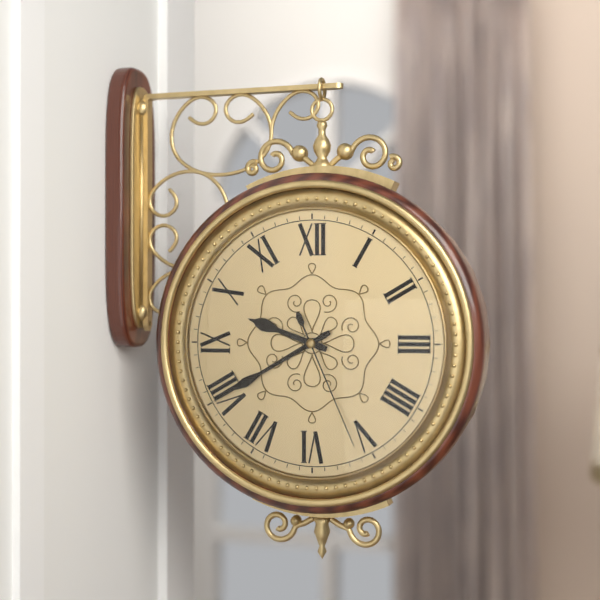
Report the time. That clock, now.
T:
9:40:26
